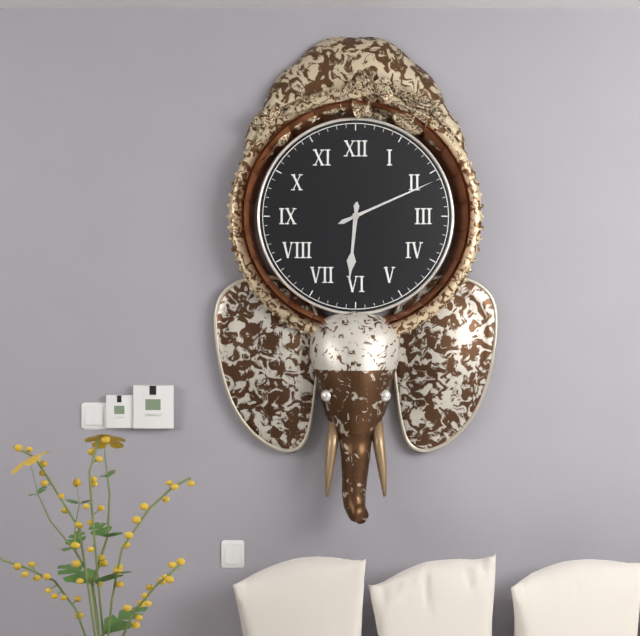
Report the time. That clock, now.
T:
6:11
